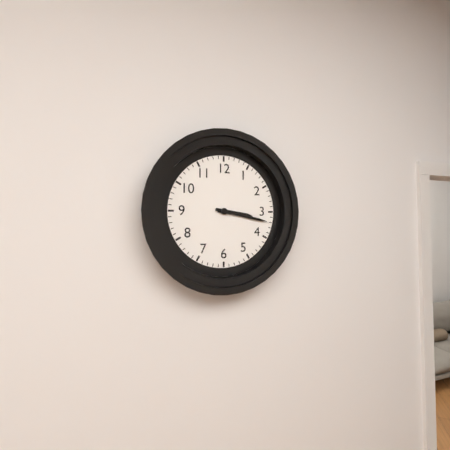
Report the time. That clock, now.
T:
3:17
